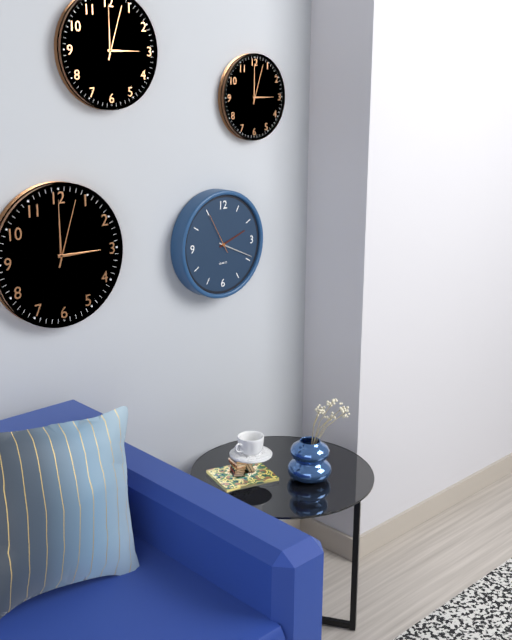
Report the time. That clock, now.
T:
2:19
